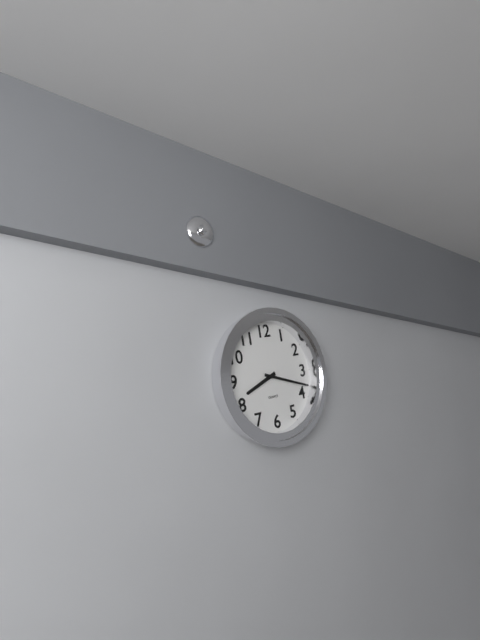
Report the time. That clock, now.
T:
8:18
